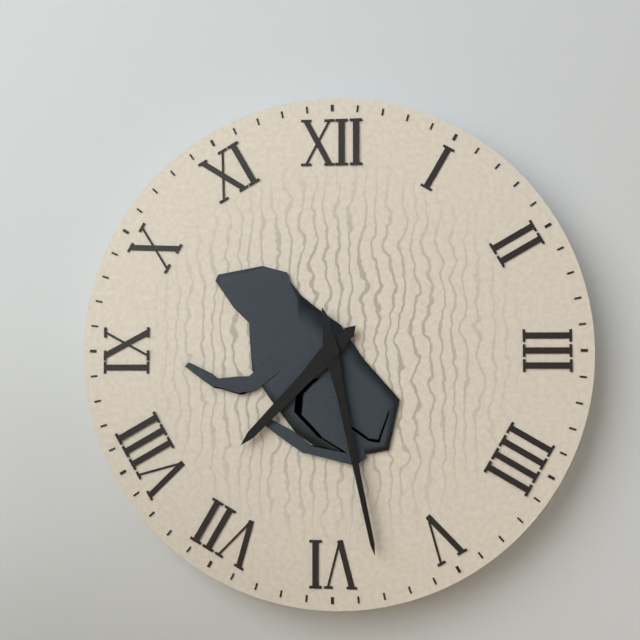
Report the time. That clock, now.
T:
7:28
